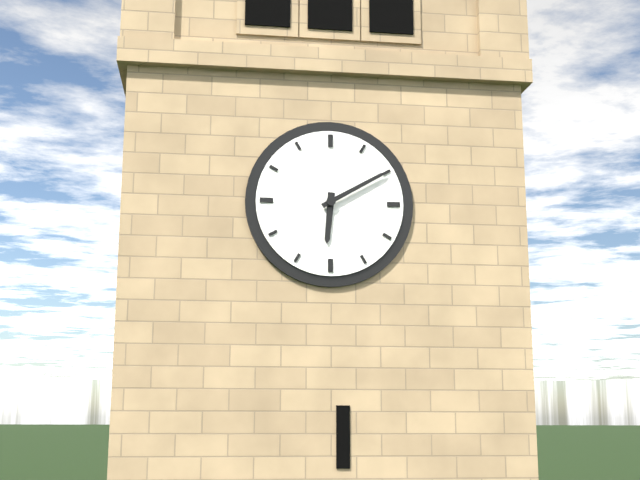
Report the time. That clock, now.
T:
6:10
